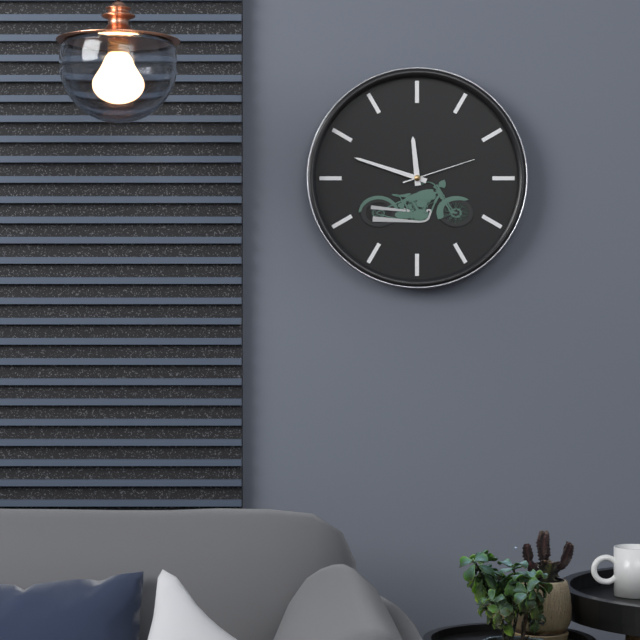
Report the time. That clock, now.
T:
11:48:12
